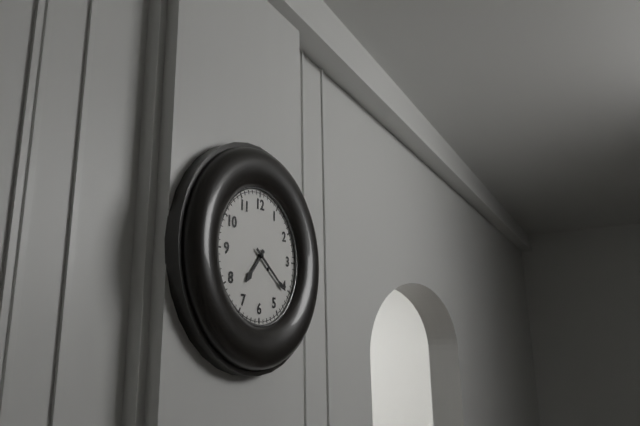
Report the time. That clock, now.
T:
7:21
